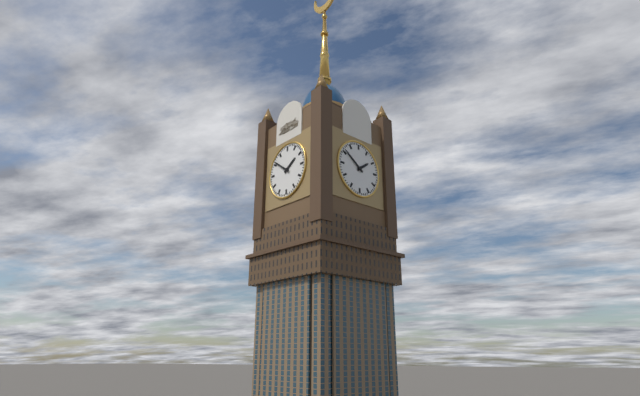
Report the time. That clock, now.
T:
1:51
